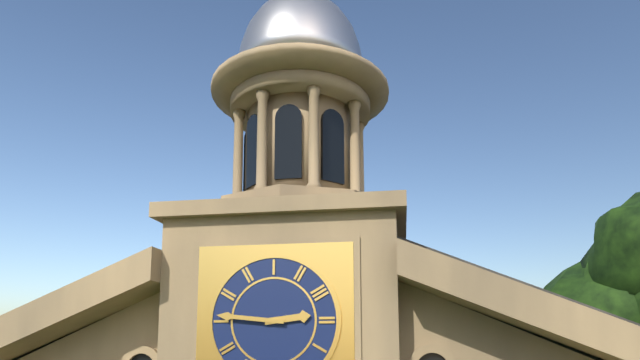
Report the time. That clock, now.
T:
2:46
